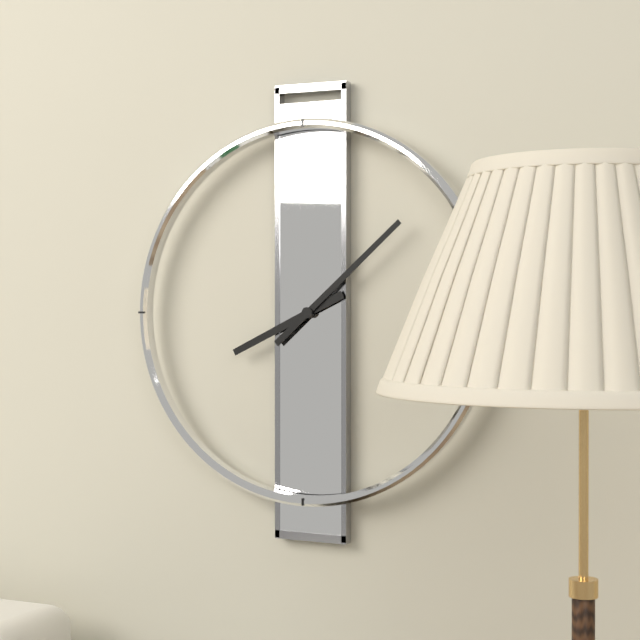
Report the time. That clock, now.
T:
8:08
